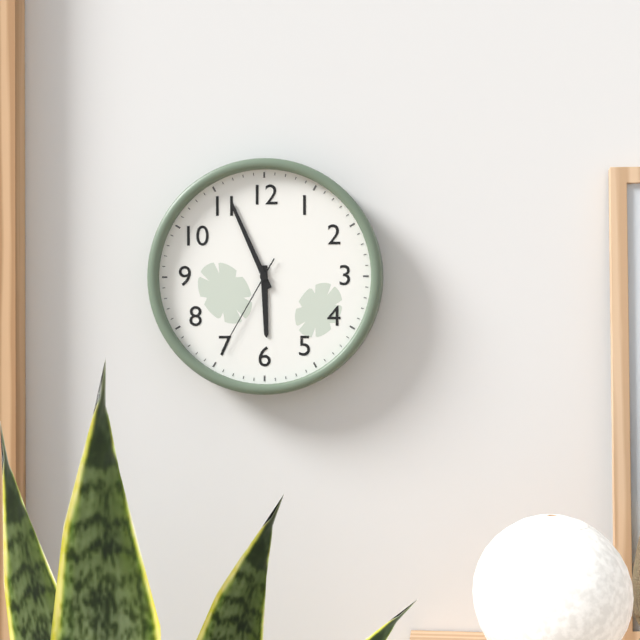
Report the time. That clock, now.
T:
5:56:35
